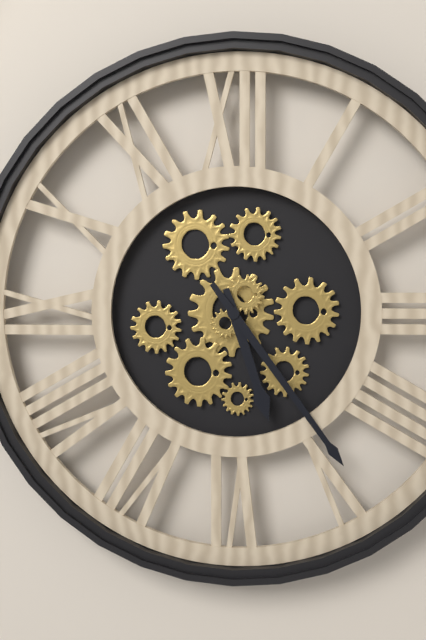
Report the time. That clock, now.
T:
5:24
